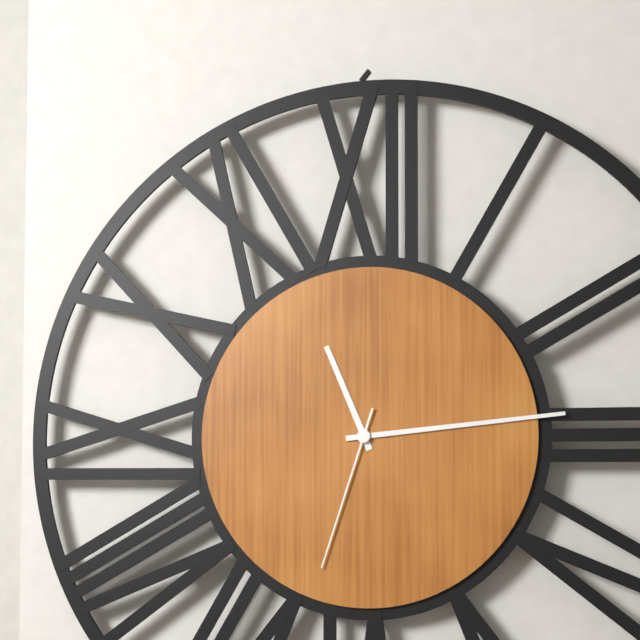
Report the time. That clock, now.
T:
11:14:33
